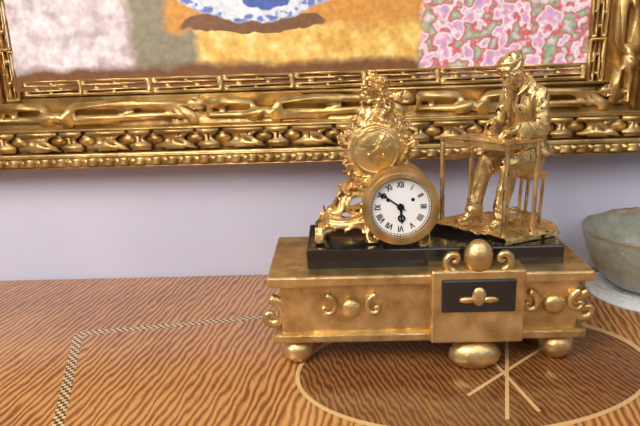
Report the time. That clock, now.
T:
5:51
